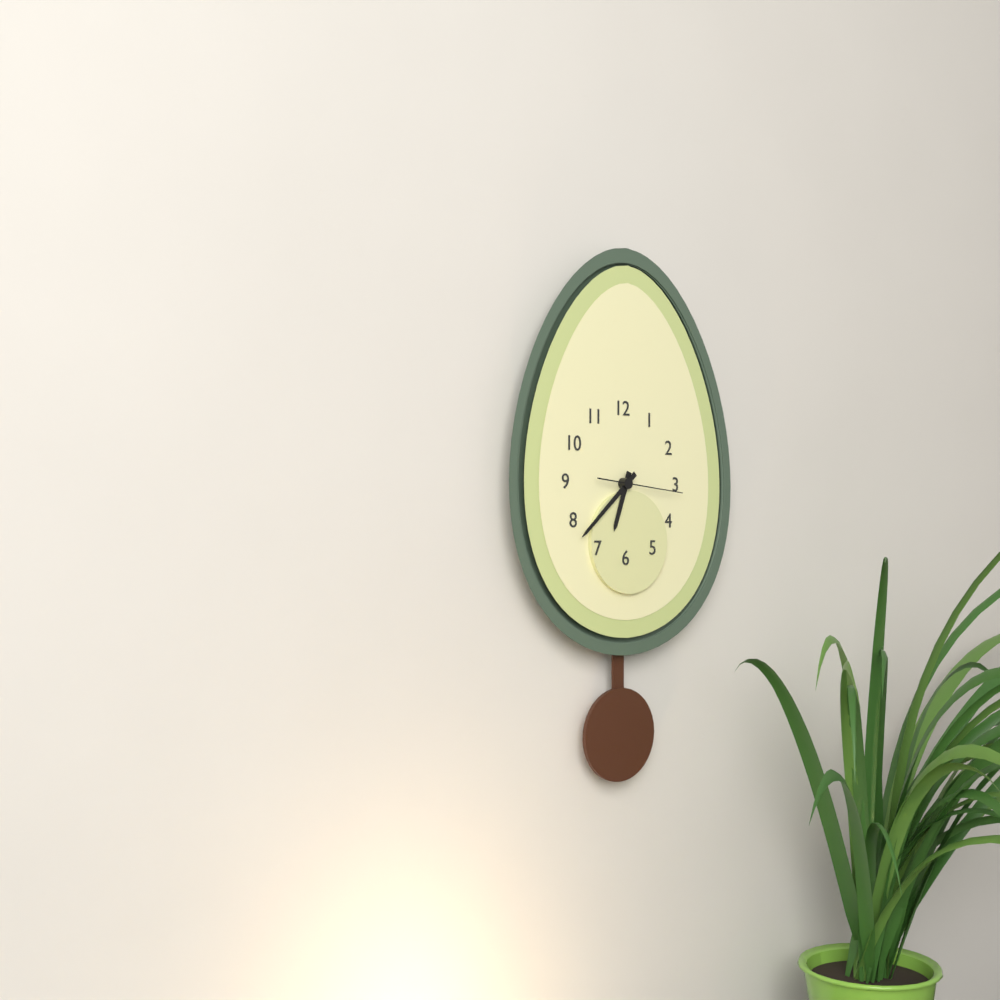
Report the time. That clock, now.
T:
6:38:16
